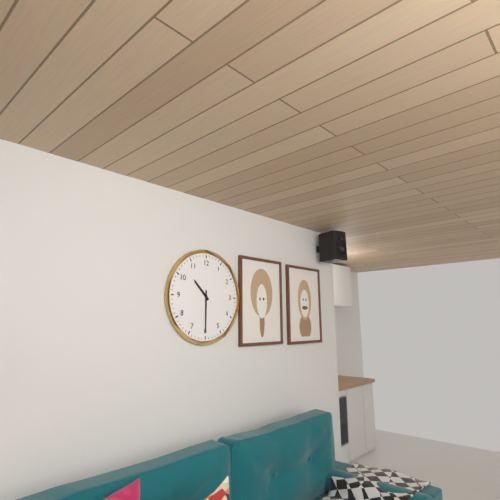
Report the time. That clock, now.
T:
10:30
